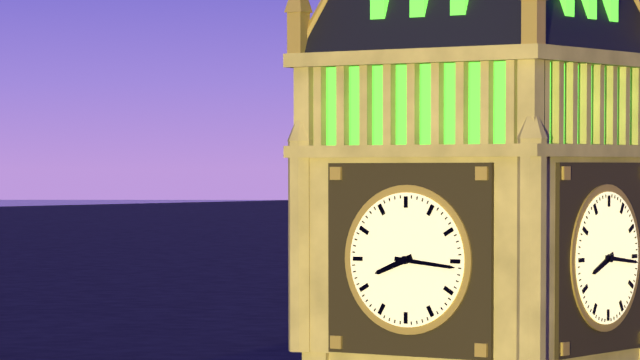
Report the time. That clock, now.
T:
8:16
